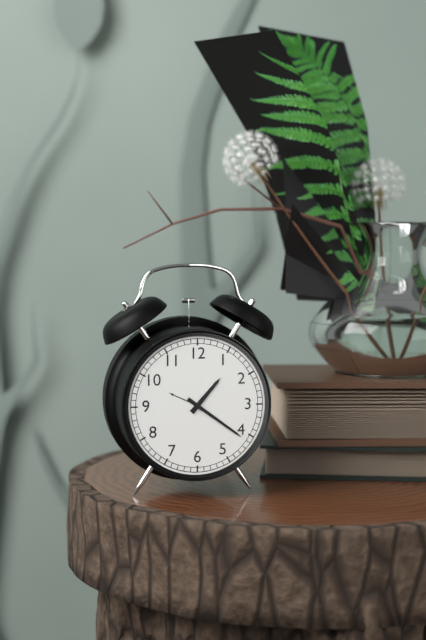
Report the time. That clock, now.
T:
1:21
